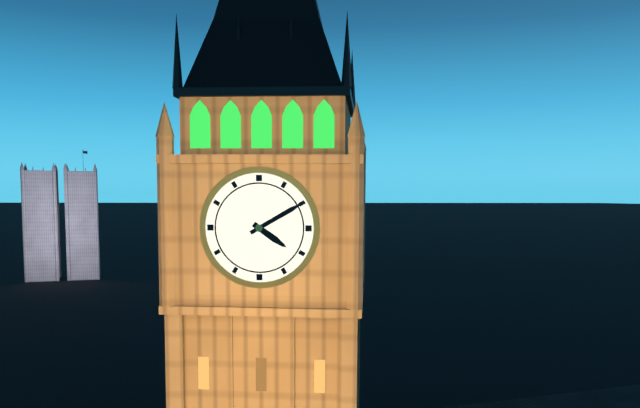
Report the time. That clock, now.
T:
4:10
